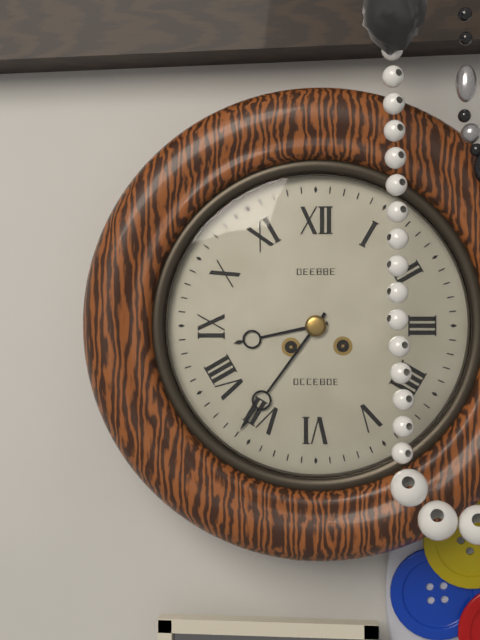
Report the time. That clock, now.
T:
8:36
